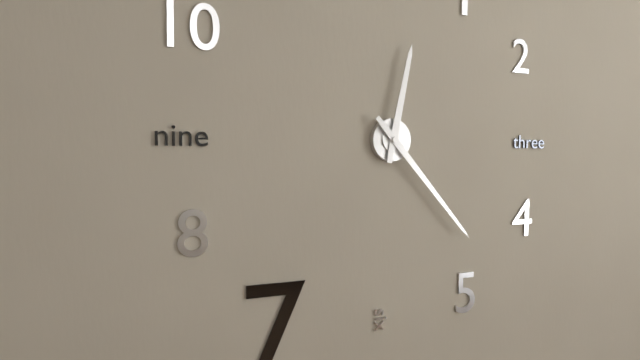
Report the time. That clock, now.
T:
12:23
